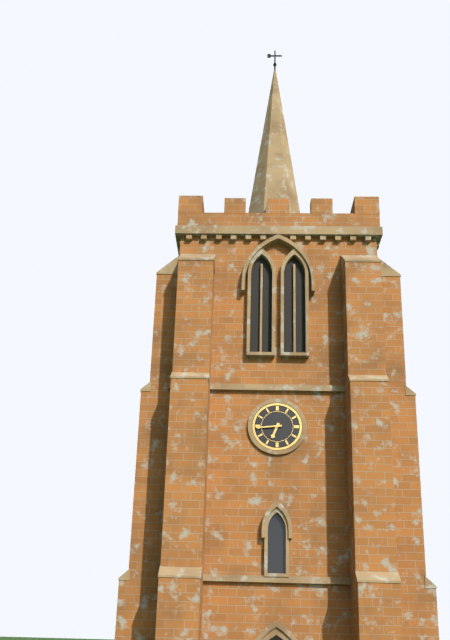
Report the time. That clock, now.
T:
6:44
